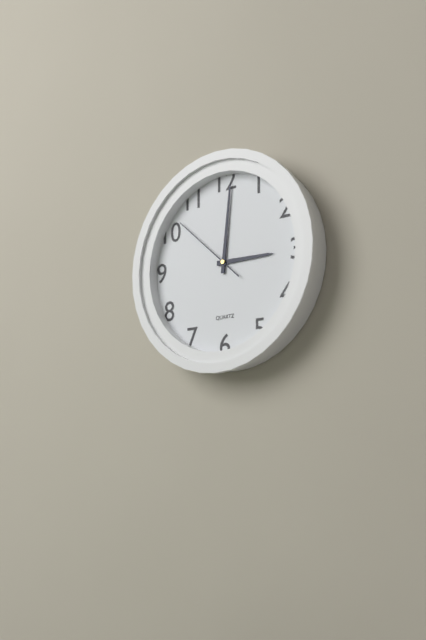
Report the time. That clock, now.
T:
3:01:52
